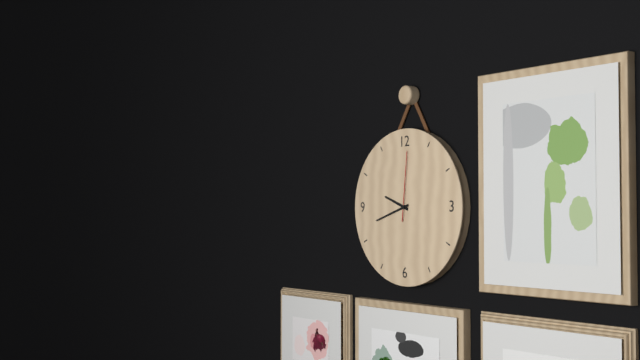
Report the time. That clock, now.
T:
9:42:01
